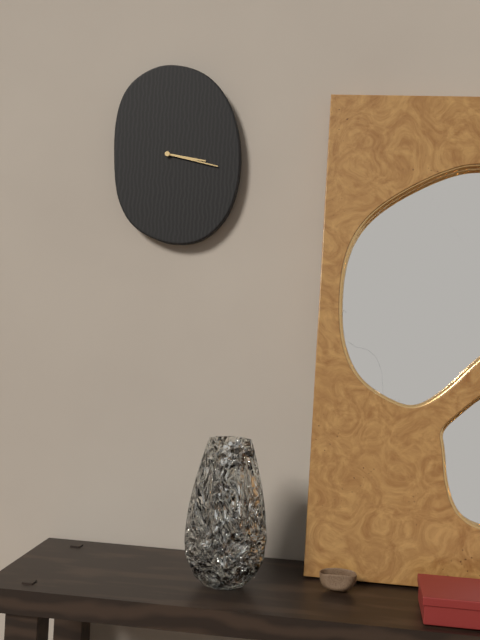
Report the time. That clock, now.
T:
3:17
